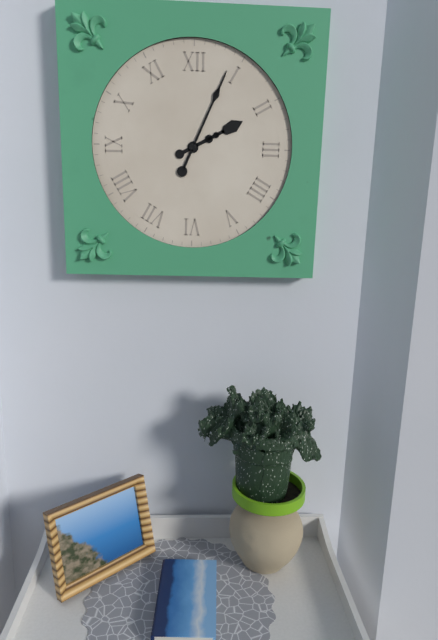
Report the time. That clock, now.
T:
2:04
